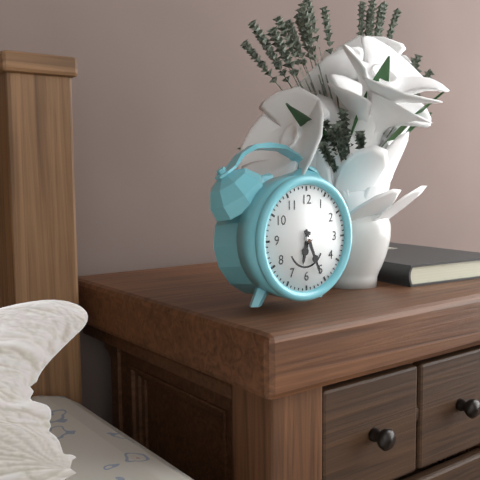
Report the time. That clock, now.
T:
6:26
